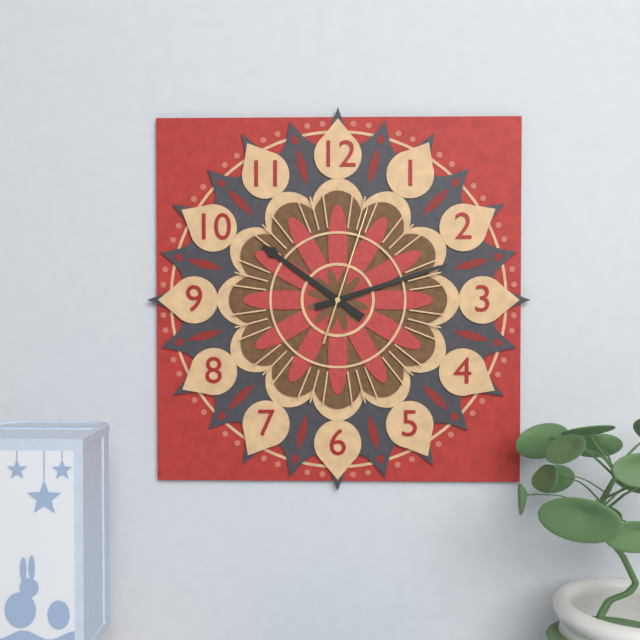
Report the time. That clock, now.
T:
10:12:03
